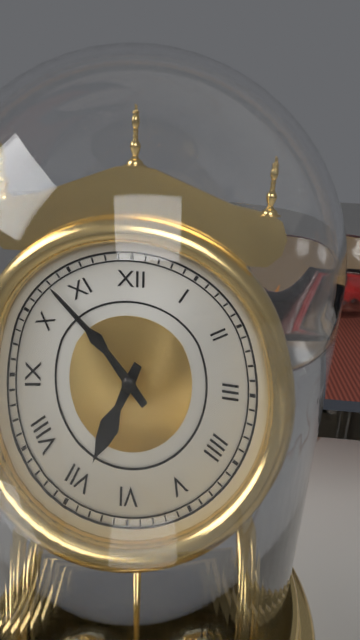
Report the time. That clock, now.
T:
6:53
